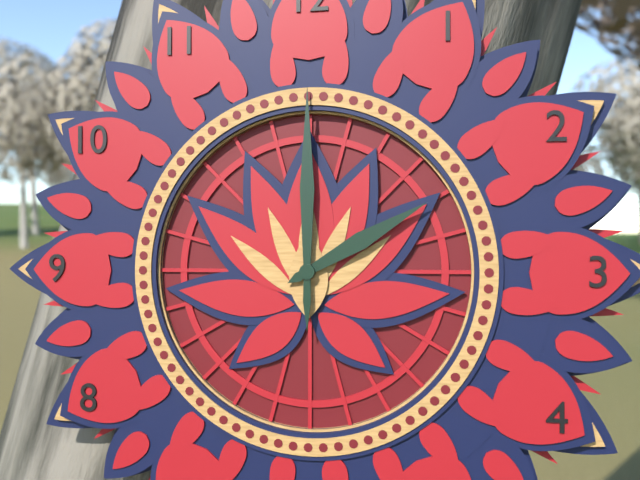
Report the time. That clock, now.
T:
2:00
